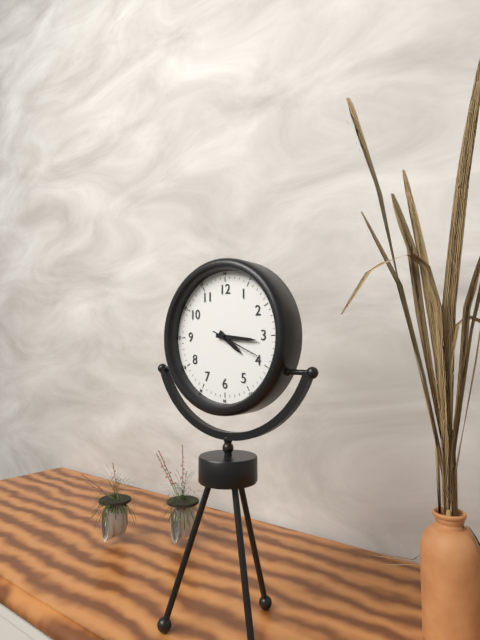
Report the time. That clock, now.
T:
4:16
